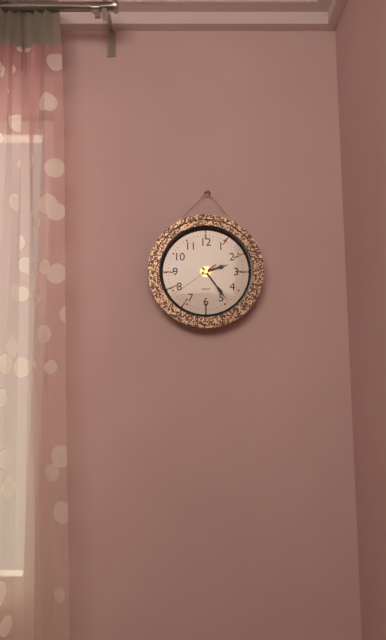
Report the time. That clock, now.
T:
2:24
